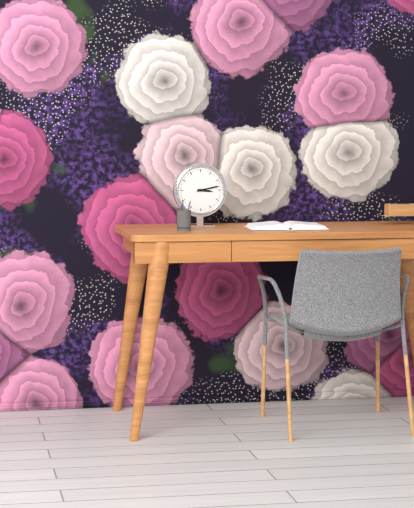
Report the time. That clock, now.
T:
3:13
